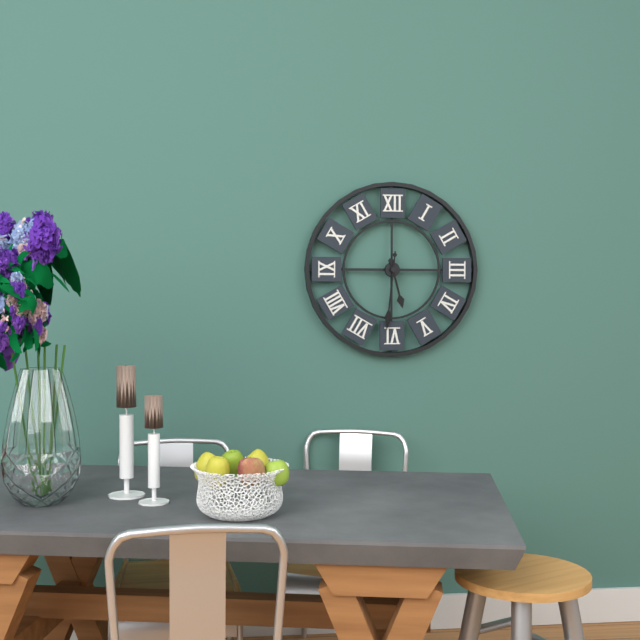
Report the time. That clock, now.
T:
5:31
